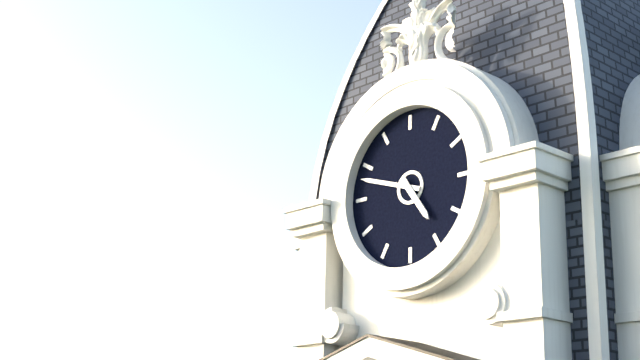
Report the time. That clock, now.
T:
4:48
